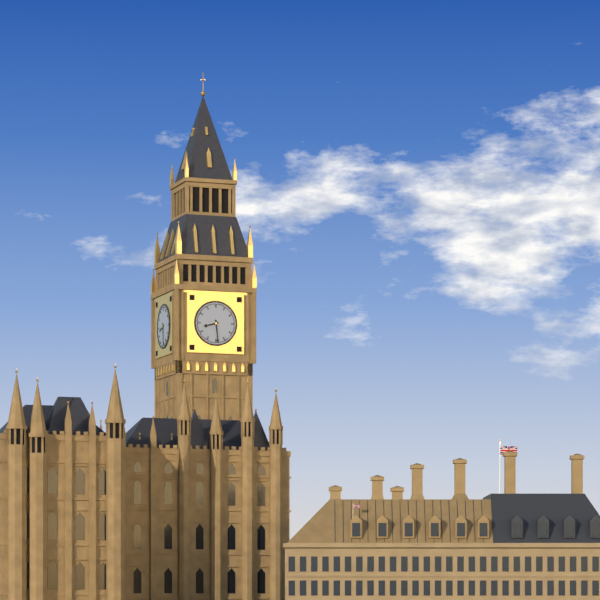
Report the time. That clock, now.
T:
8:29
